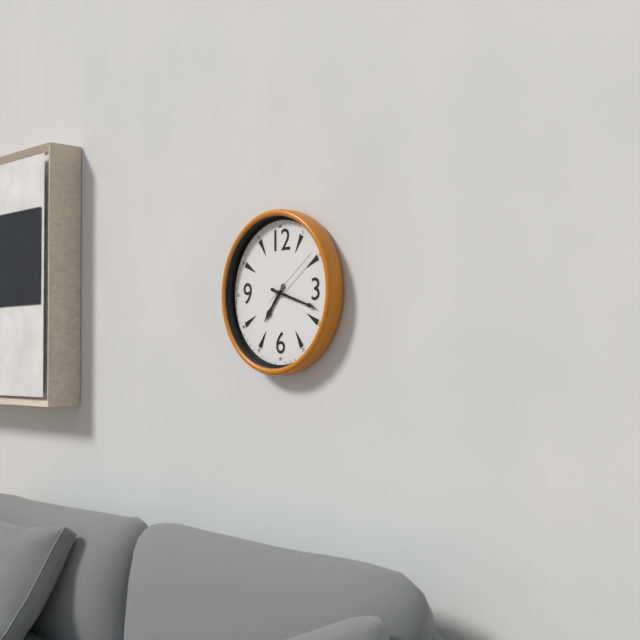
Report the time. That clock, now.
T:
7:18:09
